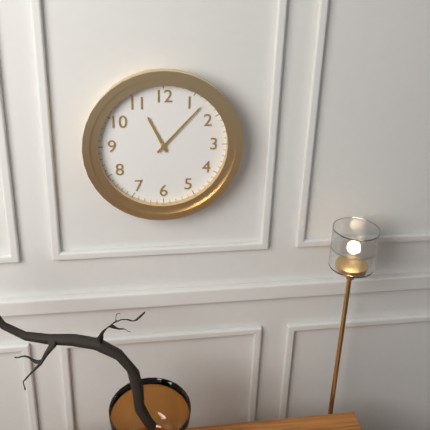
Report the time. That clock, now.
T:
11:07
